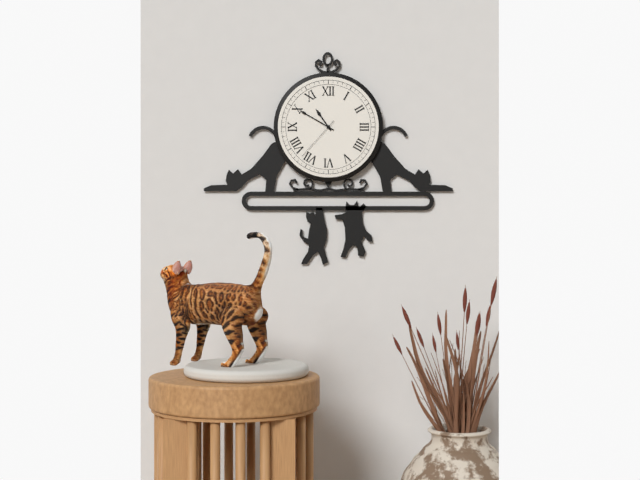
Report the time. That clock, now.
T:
10:50
